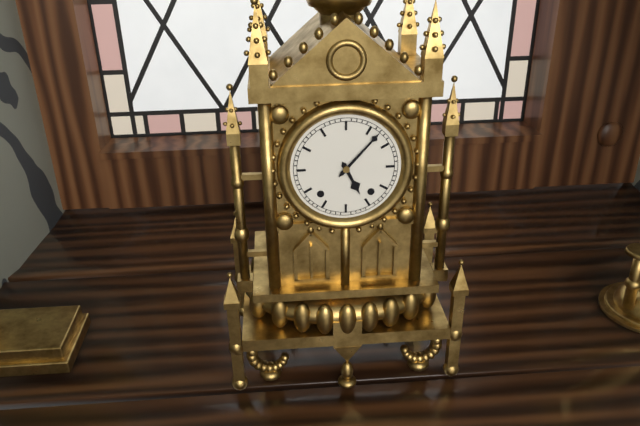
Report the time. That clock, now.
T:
5:07
